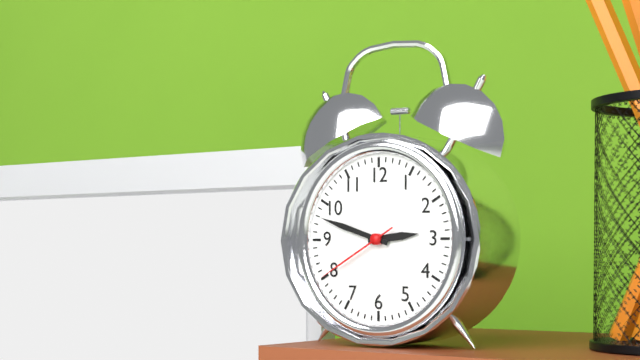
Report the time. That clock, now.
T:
2:48:40
